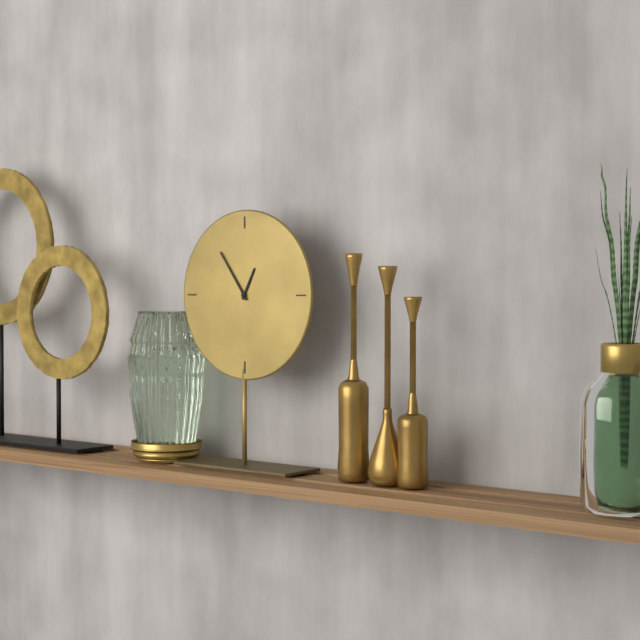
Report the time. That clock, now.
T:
12:54
